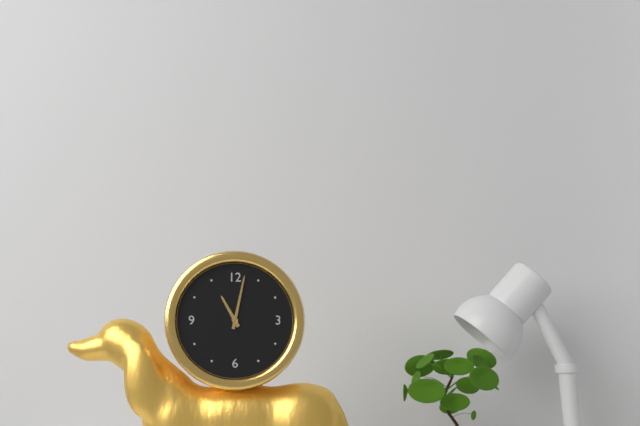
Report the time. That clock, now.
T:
11:02
